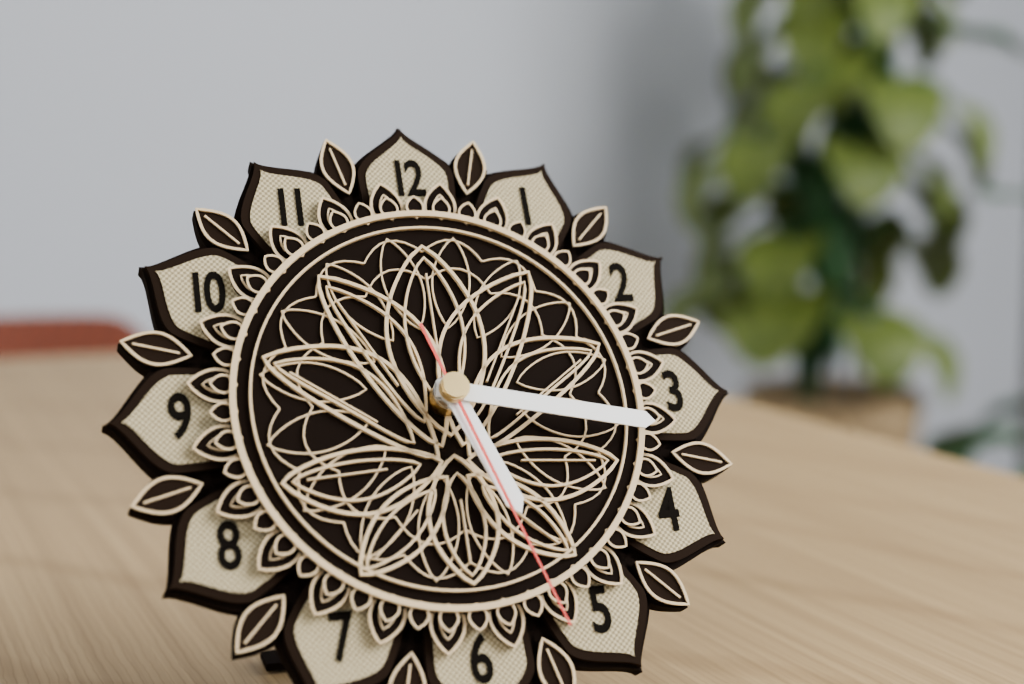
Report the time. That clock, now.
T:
5:17:27
